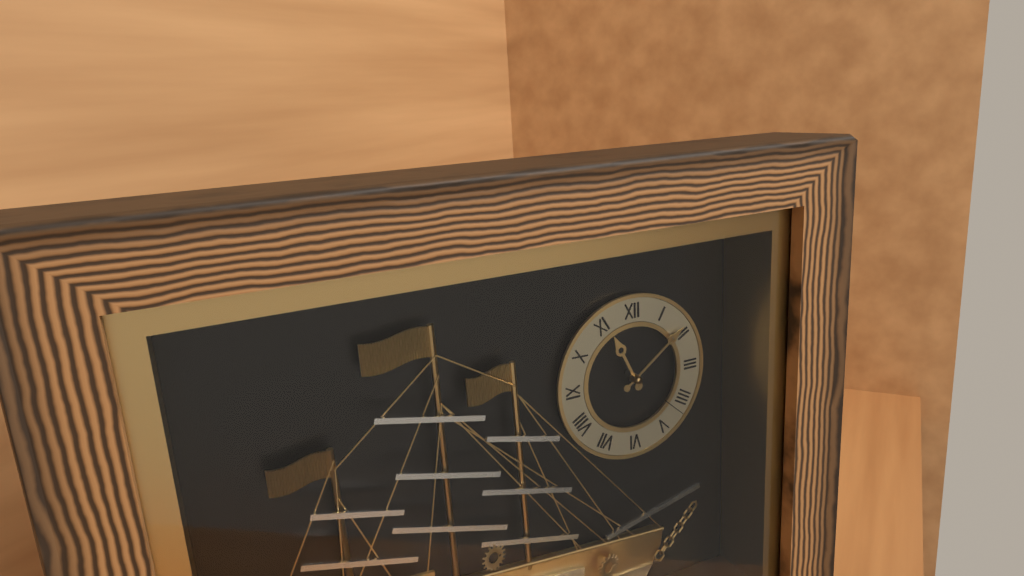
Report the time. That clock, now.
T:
11:09:22
